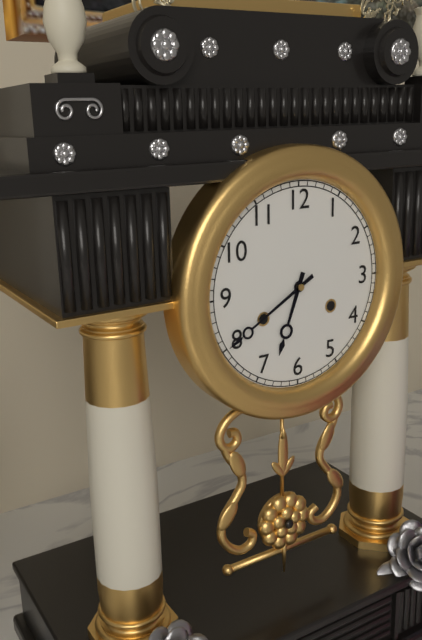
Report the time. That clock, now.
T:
6:40
